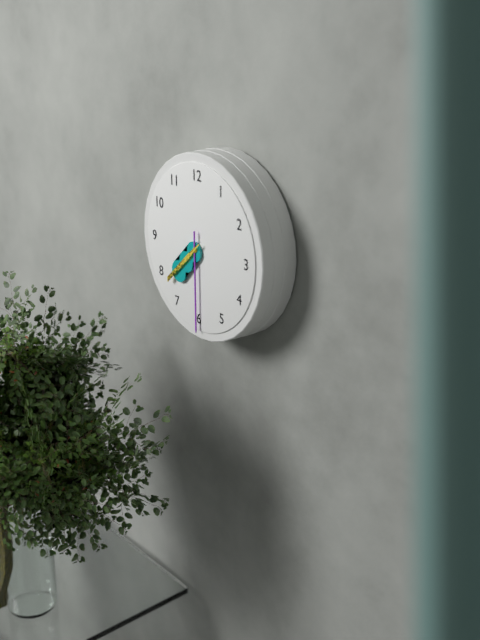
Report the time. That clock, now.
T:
7:30:38
